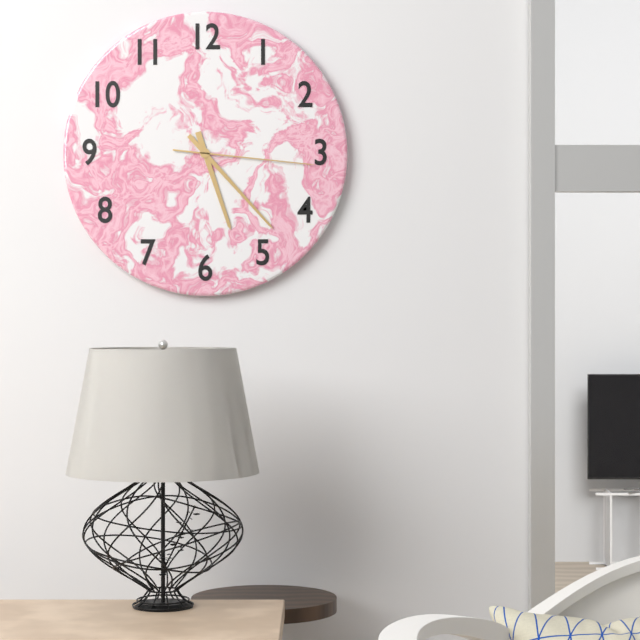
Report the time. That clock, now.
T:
5:23:16
